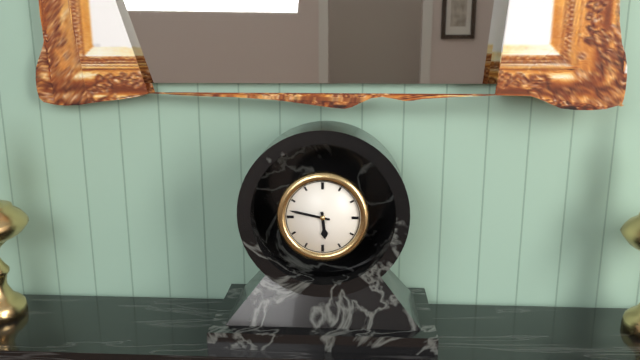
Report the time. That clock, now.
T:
5:47
